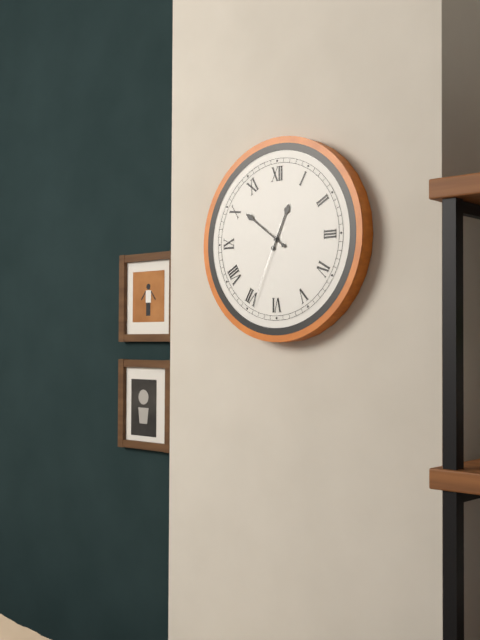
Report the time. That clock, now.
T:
12:51:34
